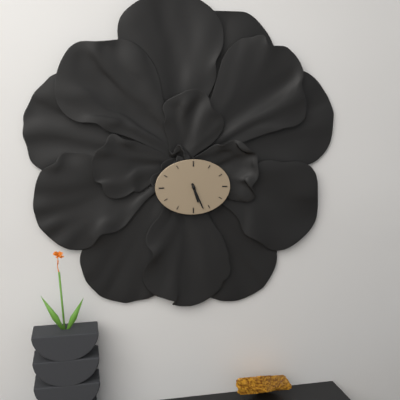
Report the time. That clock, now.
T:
5:26
